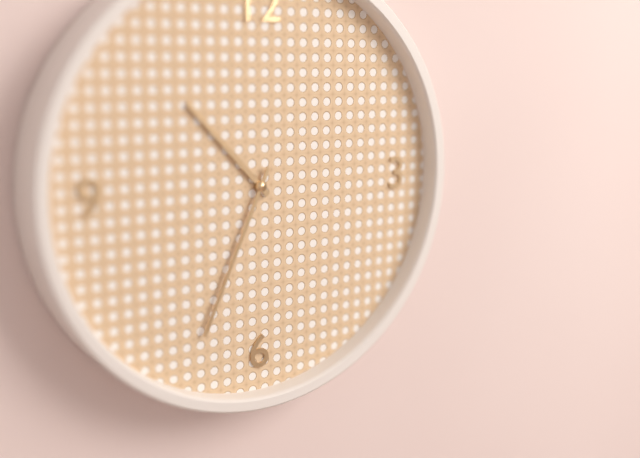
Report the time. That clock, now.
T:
10:34
